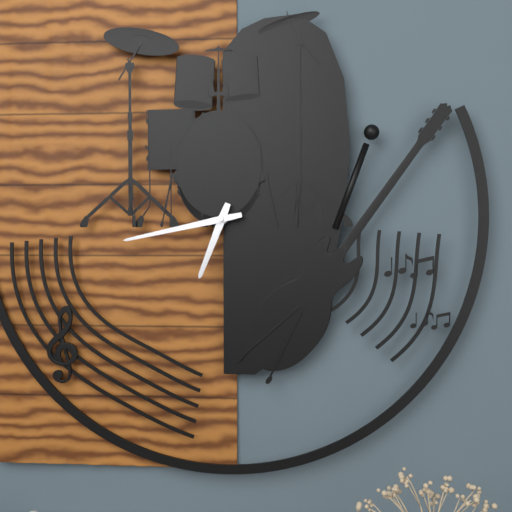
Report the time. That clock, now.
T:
6:43
